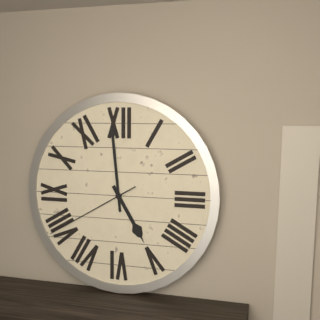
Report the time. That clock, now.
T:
4:59:40
